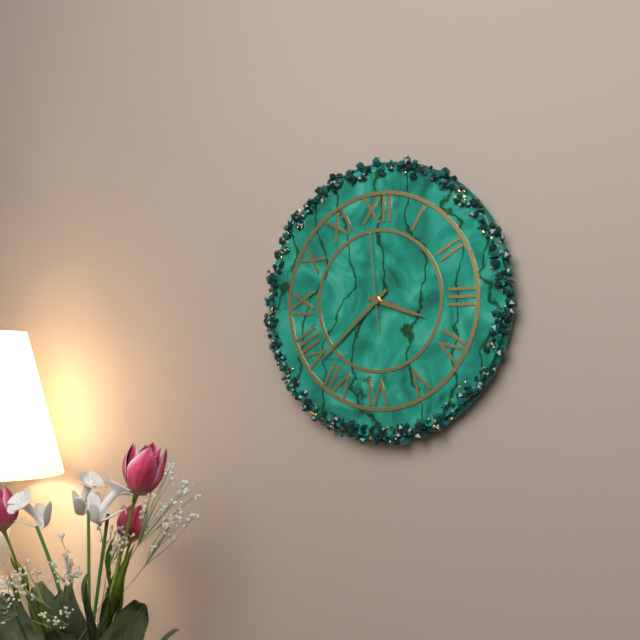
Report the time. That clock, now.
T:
3:38:59
